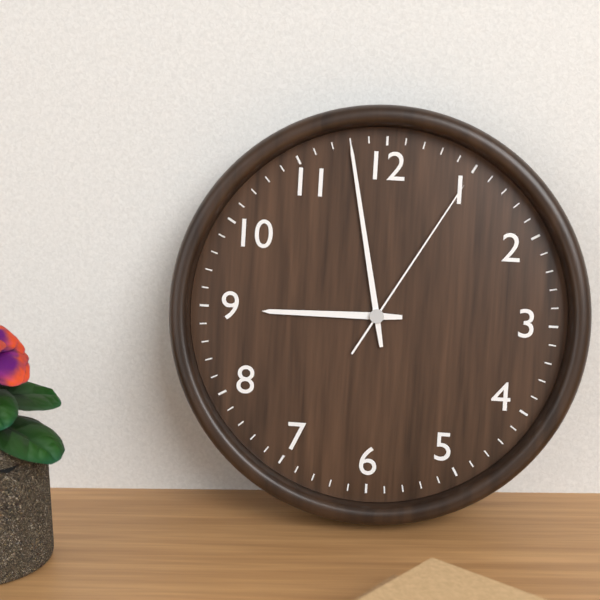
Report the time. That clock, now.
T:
8:58:05
